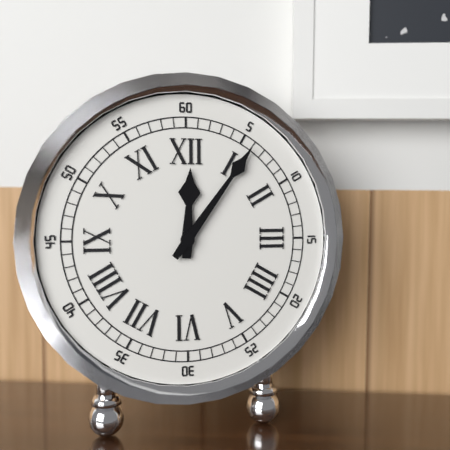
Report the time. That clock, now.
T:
12:06
